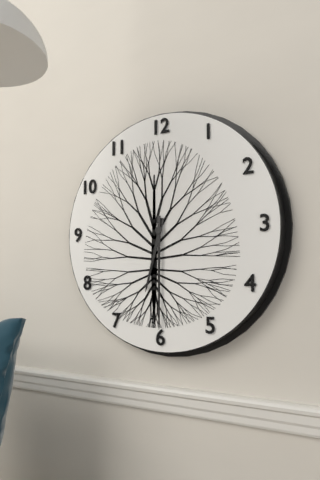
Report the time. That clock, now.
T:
6:30
